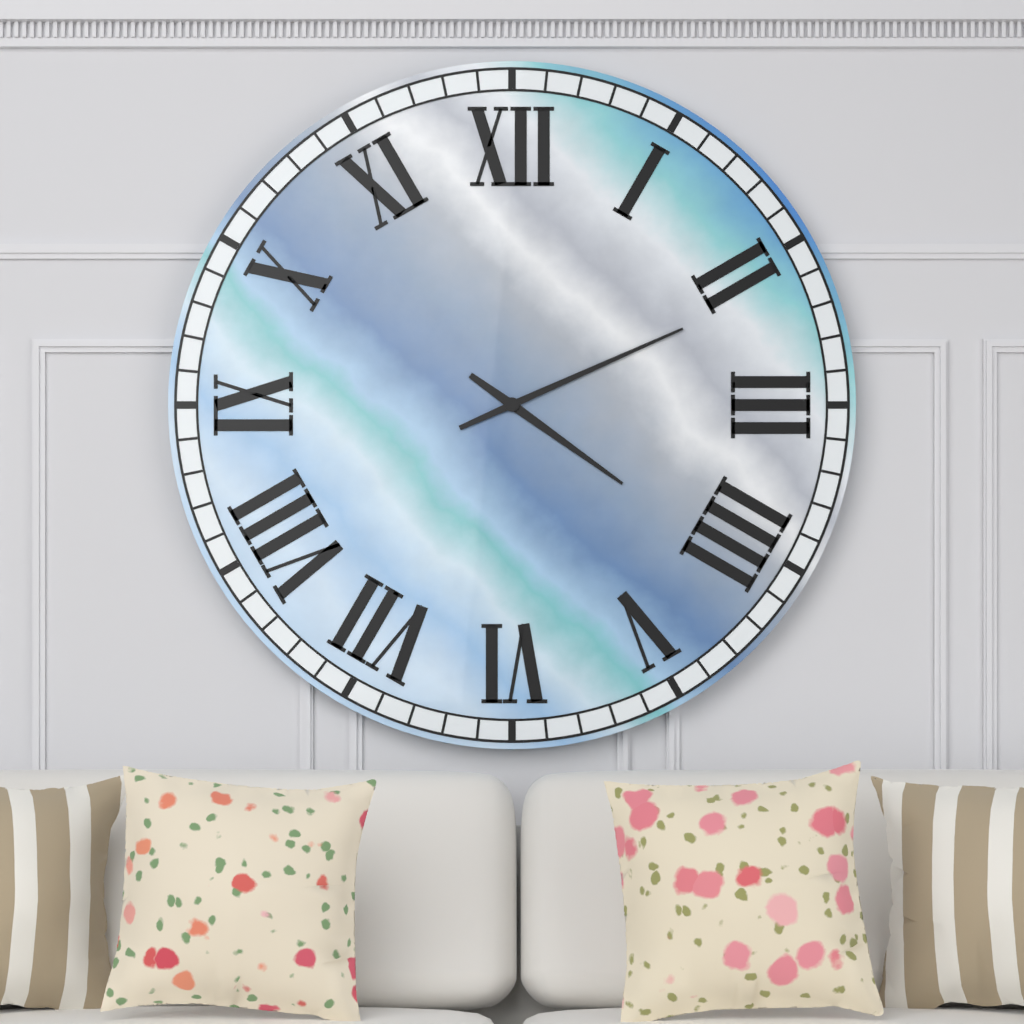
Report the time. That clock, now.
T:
4:11
